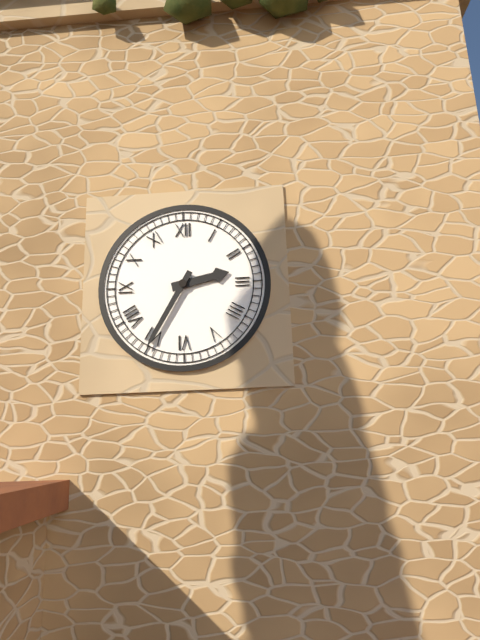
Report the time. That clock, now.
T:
2:35
